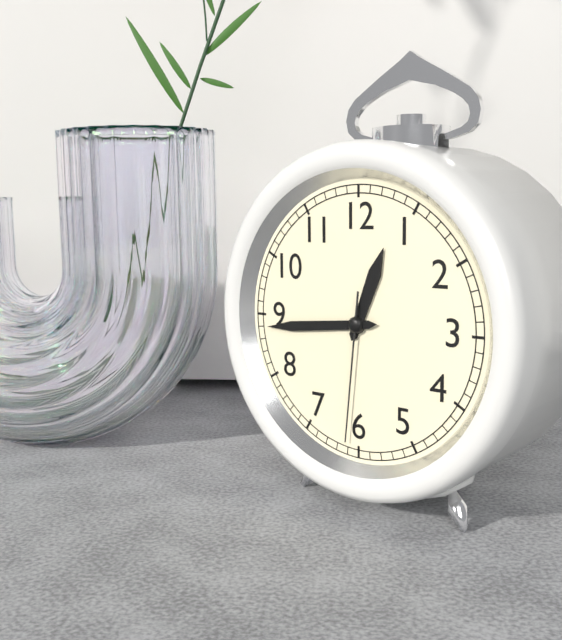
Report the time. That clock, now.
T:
12:44:31
